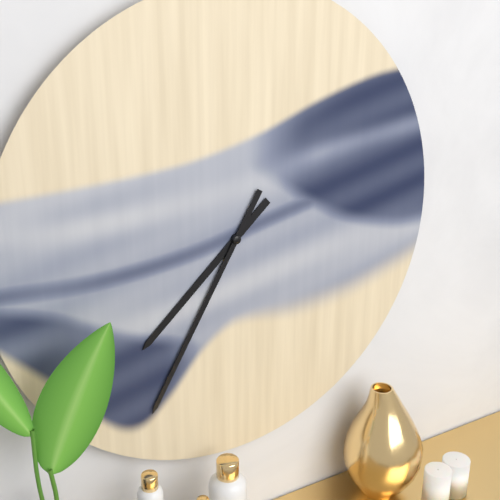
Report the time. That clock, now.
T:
7:35
